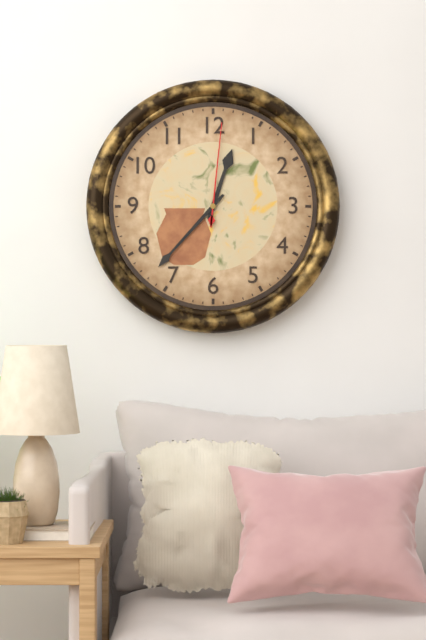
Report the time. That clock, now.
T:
12:37:01
